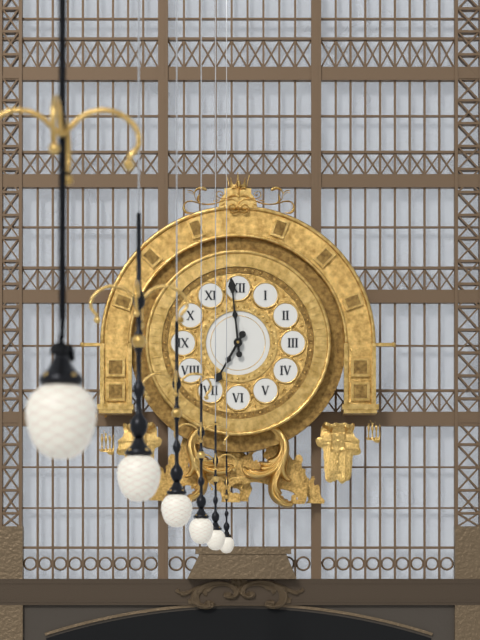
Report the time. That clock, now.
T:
6:59
